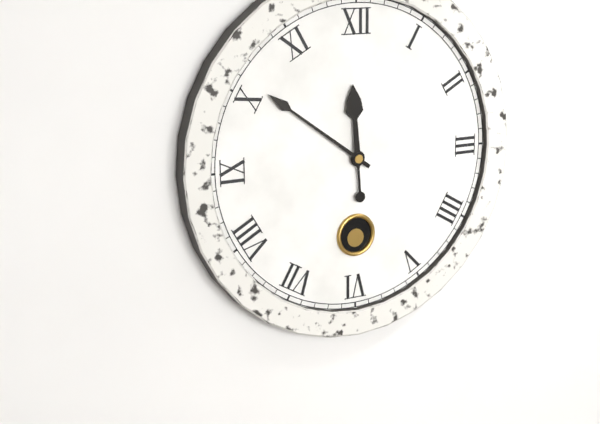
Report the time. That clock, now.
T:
11:51
